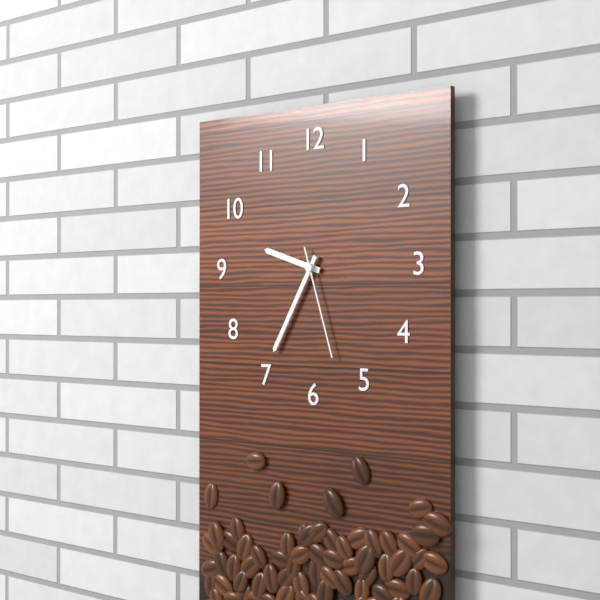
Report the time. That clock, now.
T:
9:35:27
